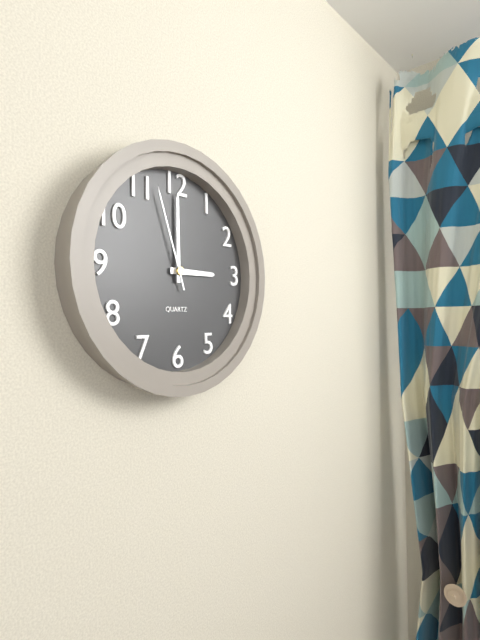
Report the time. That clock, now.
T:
3:00:57
